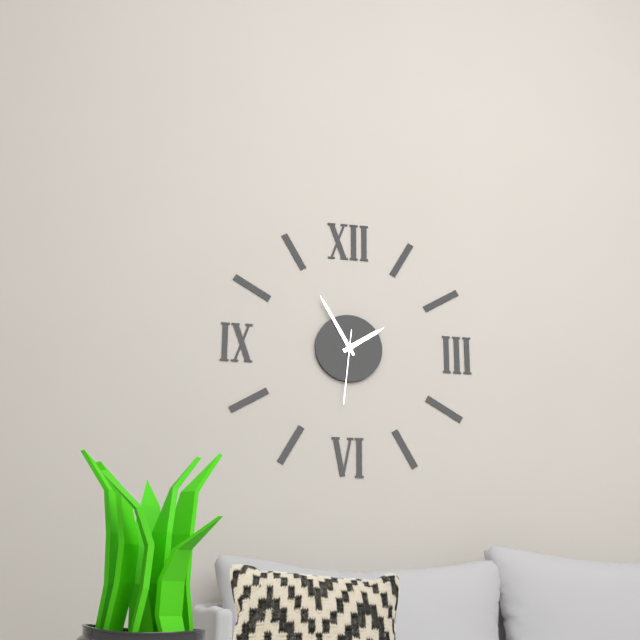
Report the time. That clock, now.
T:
1:55:31
